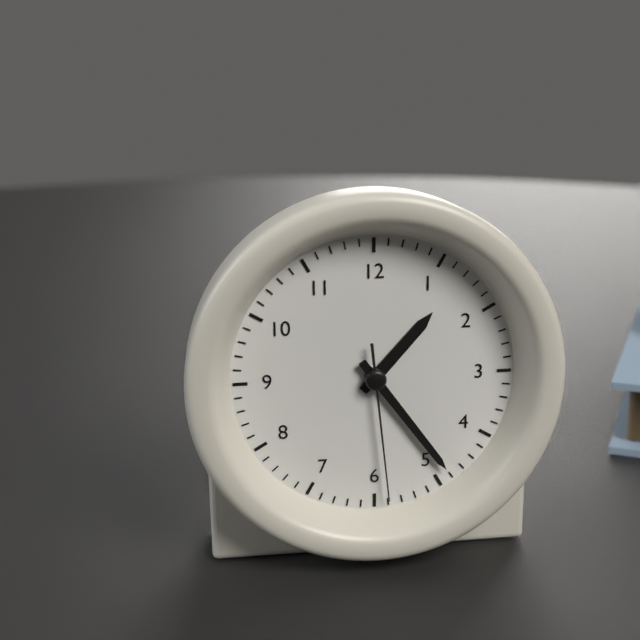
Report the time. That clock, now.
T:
1:24:29
